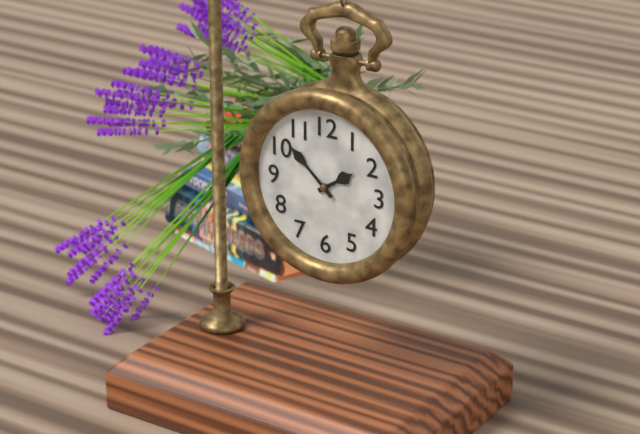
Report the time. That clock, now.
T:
1:52
